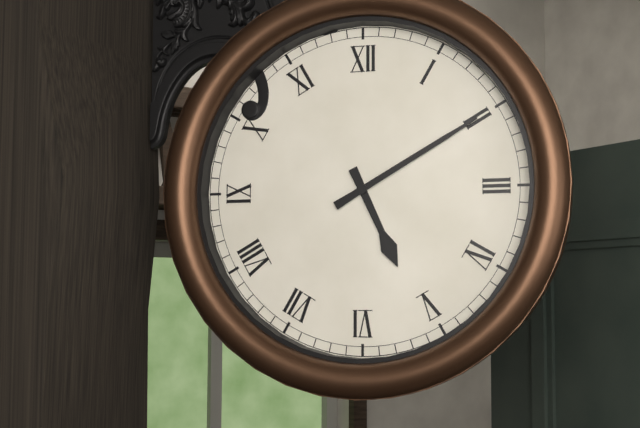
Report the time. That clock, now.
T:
5:10
